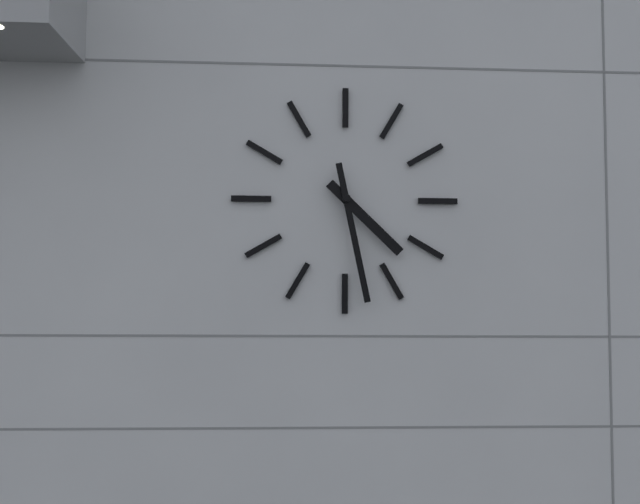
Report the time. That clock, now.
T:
4:28
